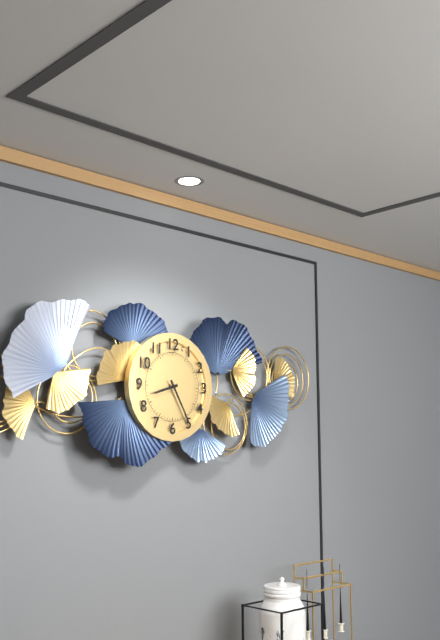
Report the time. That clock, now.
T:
8:25
